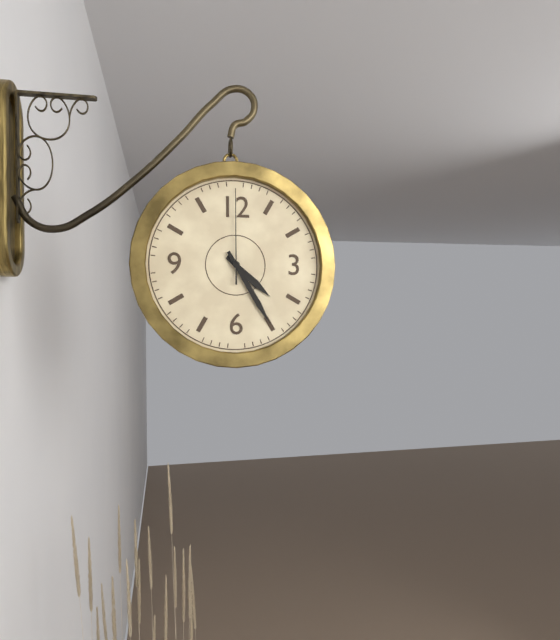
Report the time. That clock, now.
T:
4:25:00
